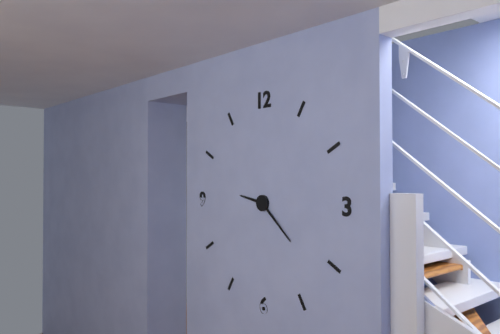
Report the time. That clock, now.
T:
9:22
